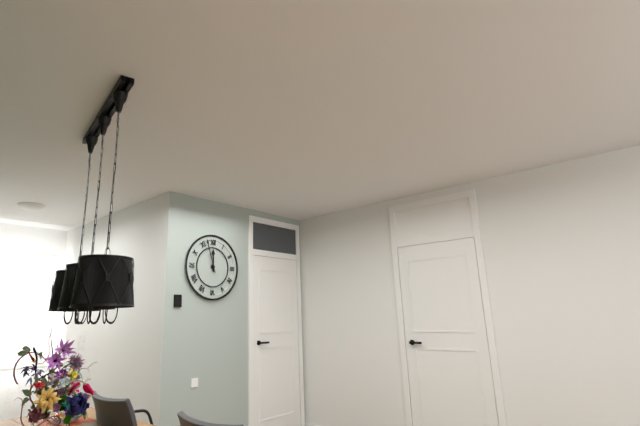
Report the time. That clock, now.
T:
11:57
